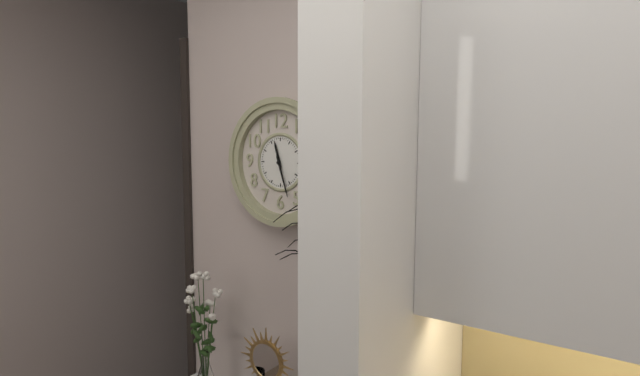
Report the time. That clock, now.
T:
11:27
